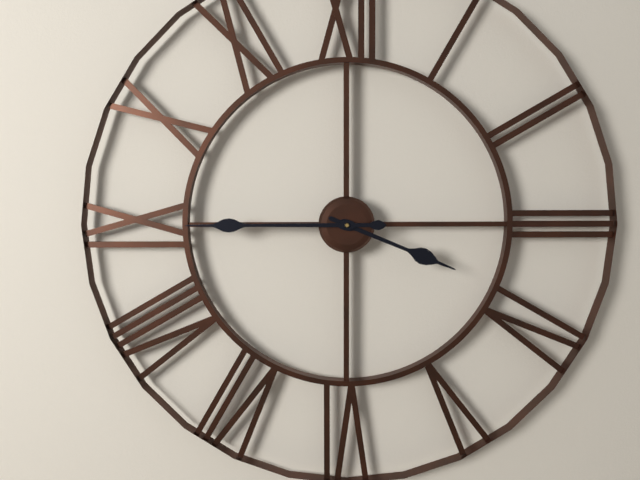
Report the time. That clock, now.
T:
3:45
